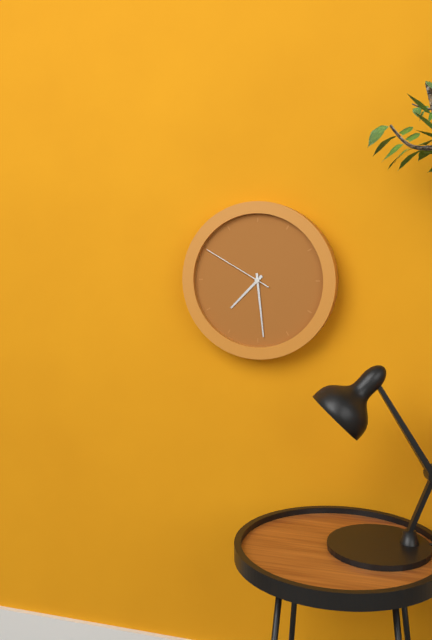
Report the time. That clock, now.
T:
7:29:50
